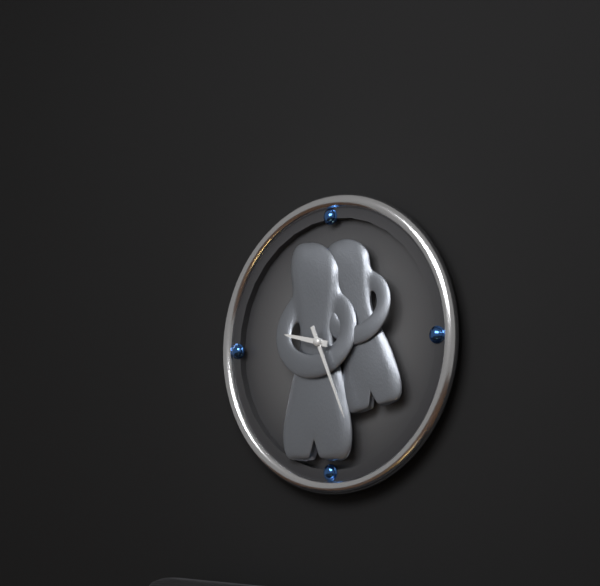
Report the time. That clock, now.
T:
9:26
